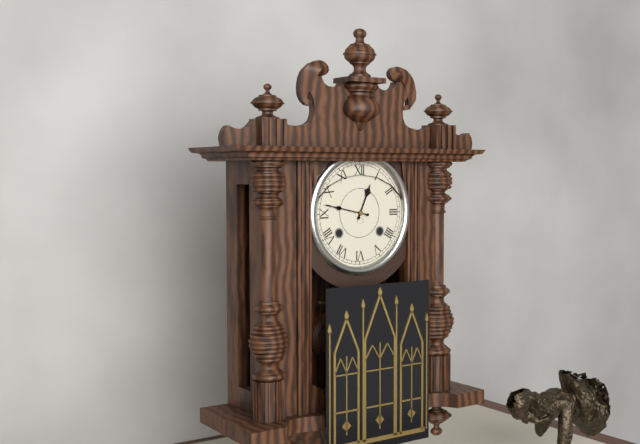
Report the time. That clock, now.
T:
12:47
